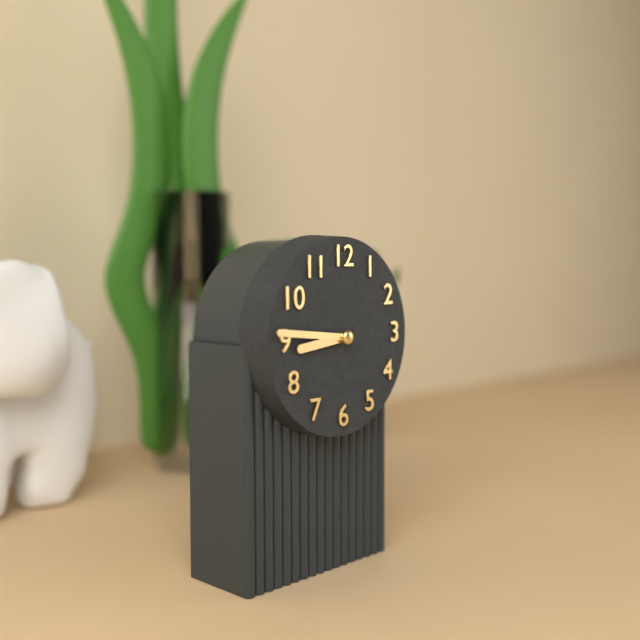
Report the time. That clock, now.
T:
8:46
